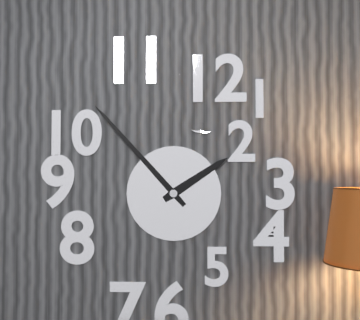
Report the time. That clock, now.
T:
1:53
